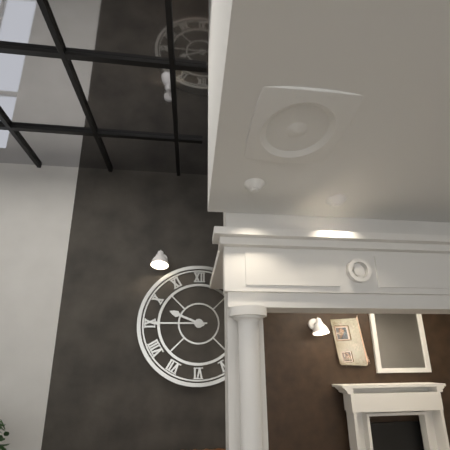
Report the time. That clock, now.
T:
9:45
